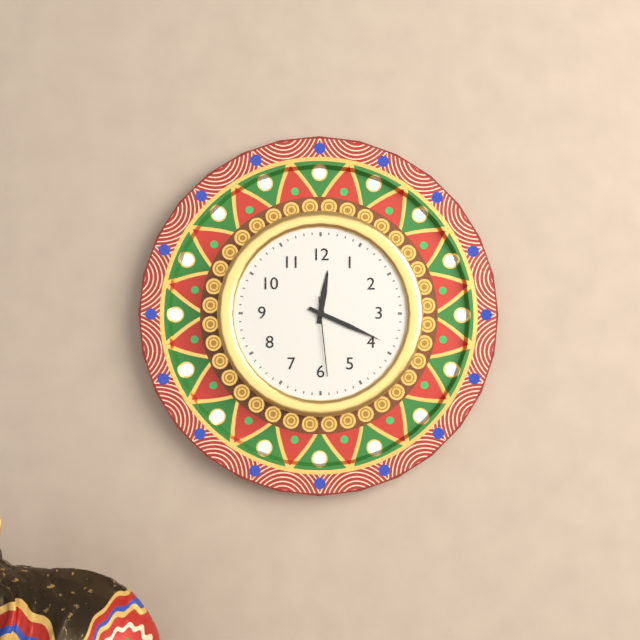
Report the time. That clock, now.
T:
12:19:29
